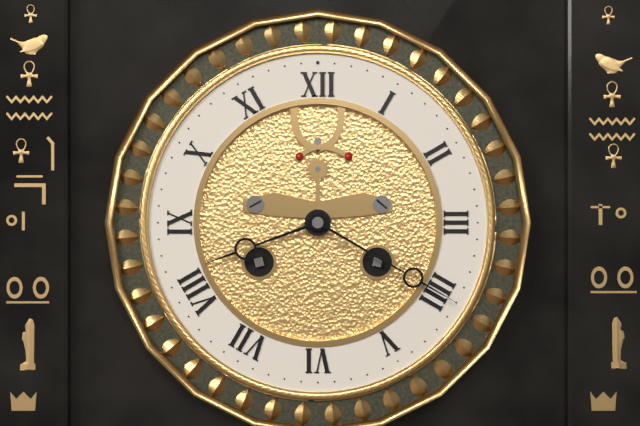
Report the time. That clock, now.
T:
8:20
